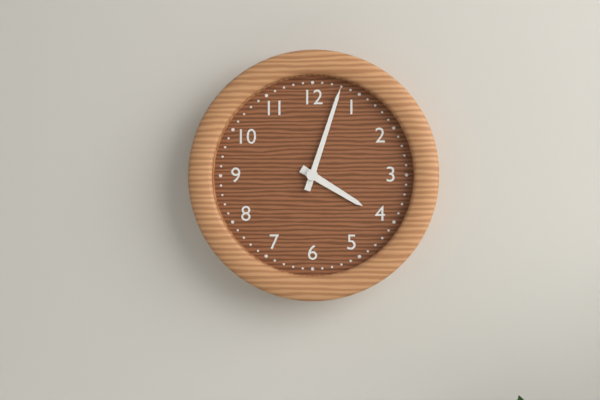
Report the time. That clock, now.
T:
4:03
